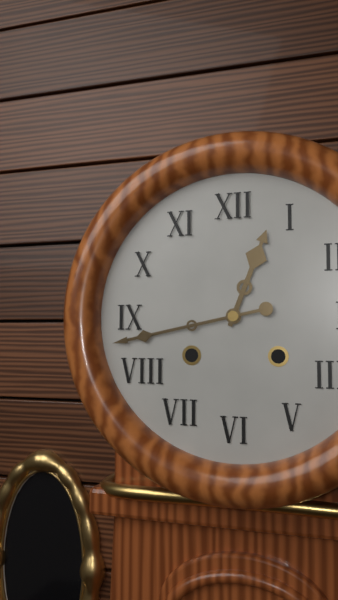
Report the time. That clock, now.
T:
12:43
